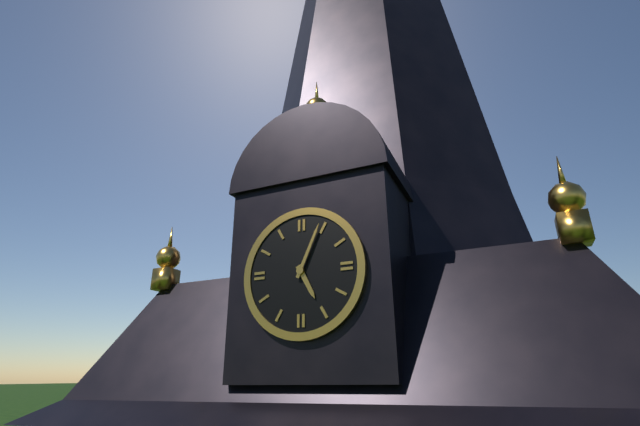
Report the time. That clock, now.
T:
5:04
